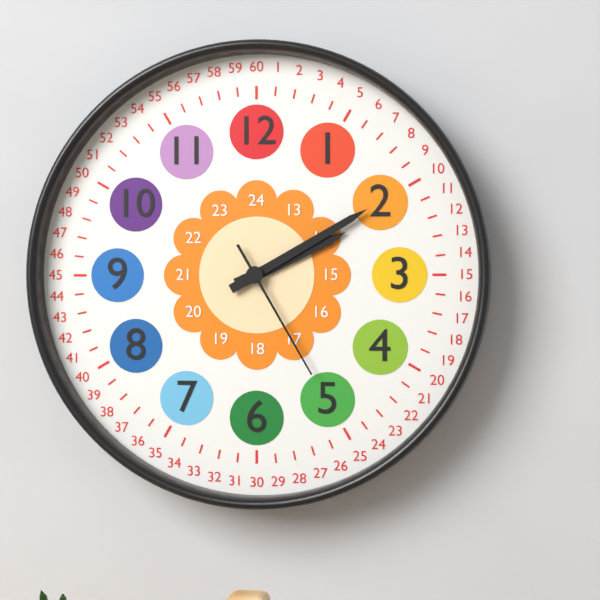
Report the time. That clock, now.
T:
2:10:25
